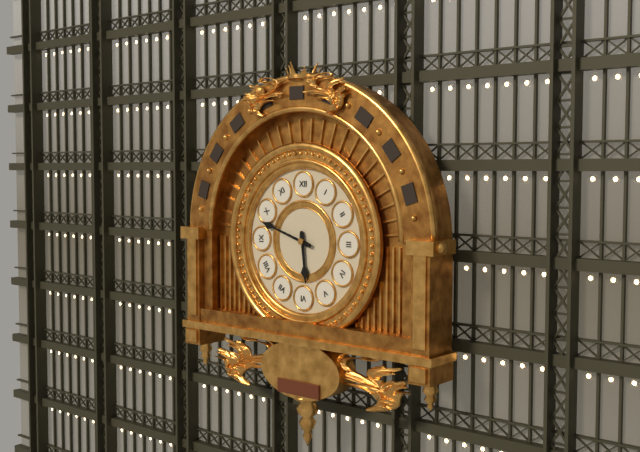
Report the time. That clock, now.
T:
5:48
